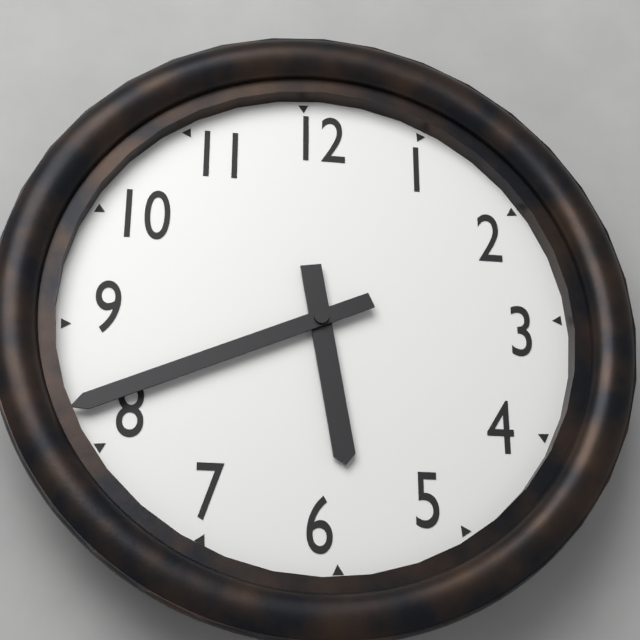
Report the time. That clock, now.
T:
5:41
